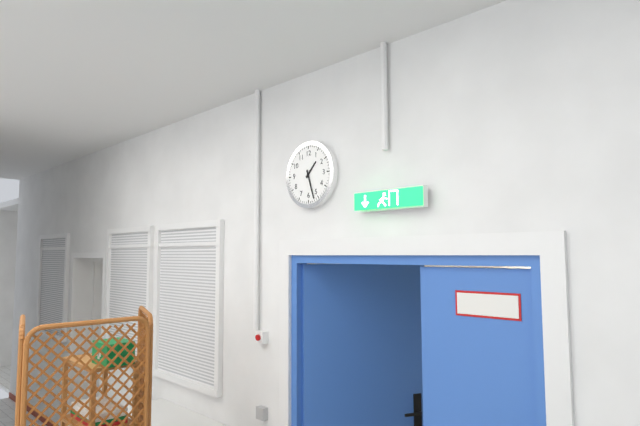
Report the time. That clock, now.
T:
1:27
